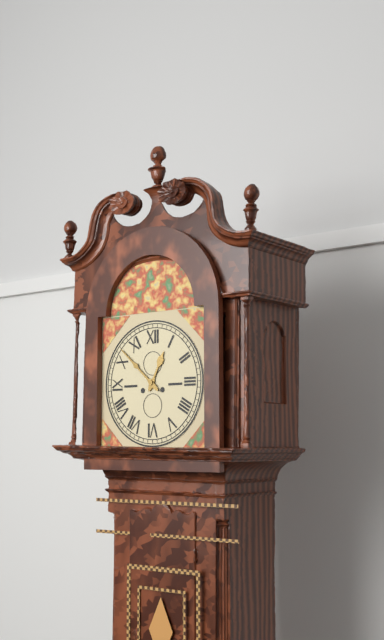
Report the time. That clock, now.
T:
12:52
